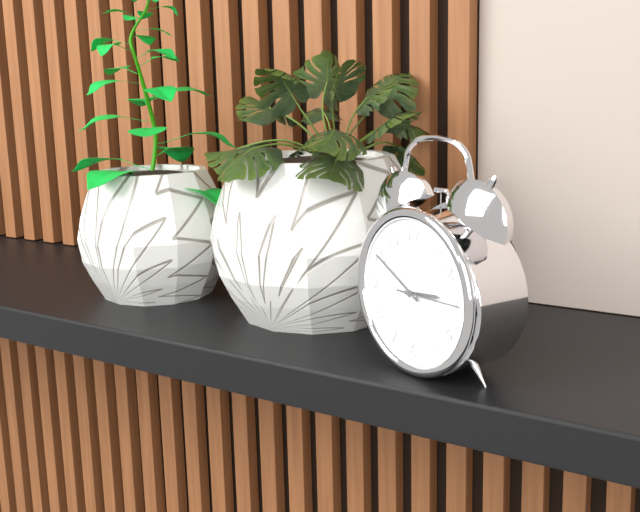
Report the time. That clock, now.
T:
2:50:15
